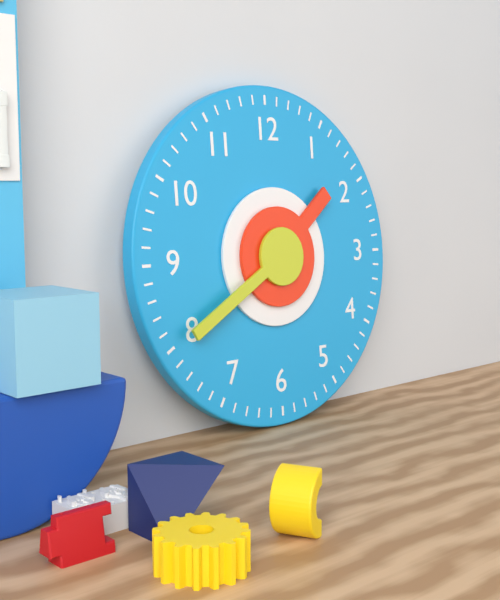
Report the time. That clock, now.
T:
1:40
